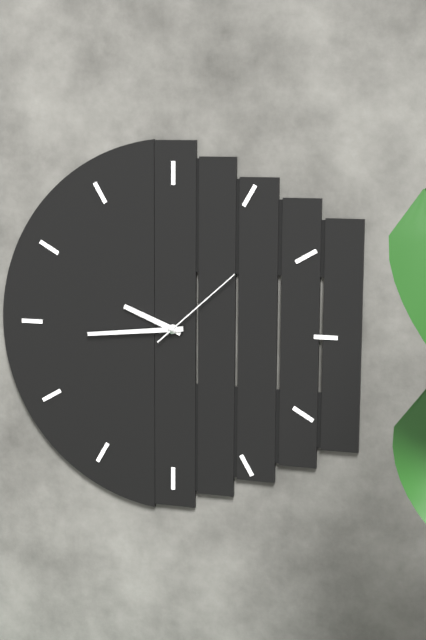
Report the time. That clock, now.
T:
9:44:08
